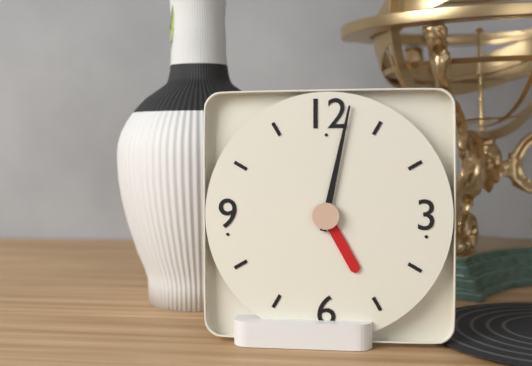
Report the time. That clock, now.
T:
5:02
